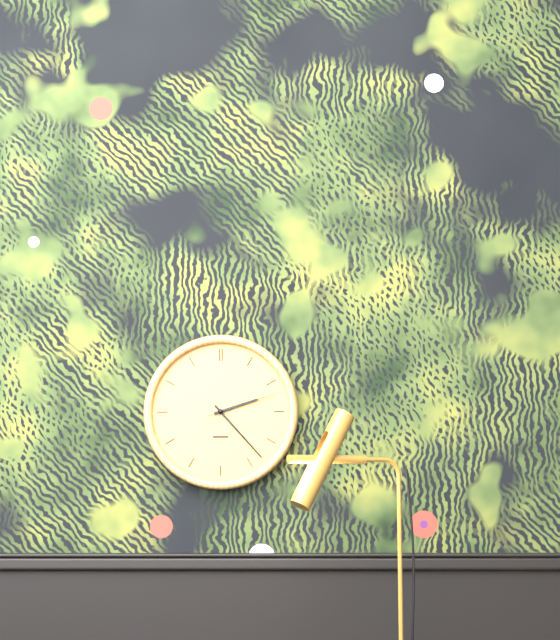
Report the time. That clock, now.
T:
2:23:12
